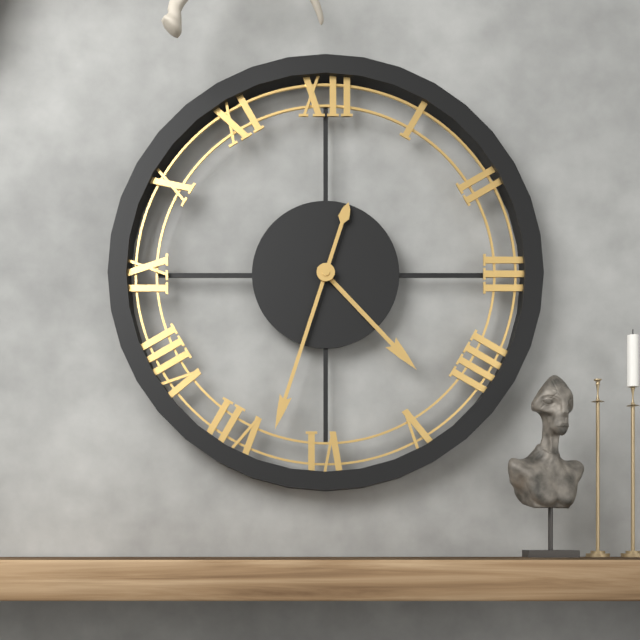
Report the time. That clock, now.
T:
4:33
